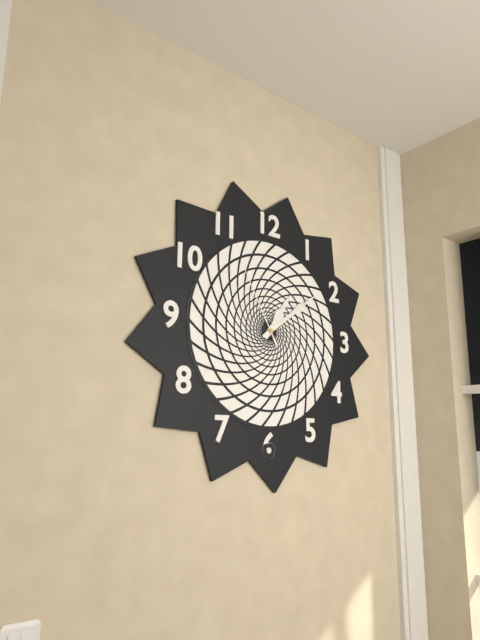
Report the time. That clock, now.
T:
1:09:55
